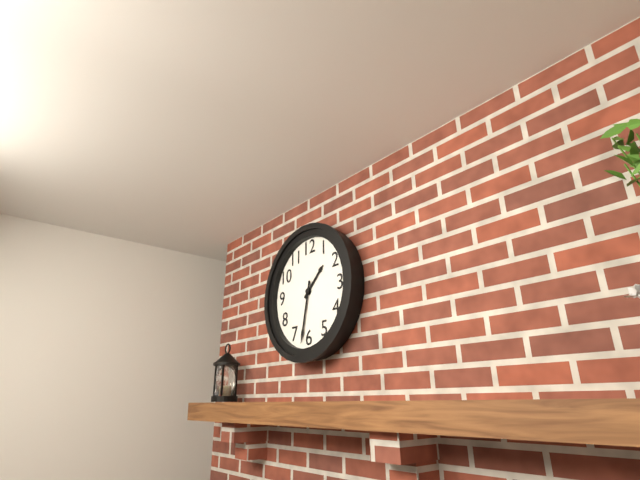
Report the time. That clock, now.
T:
1:32
